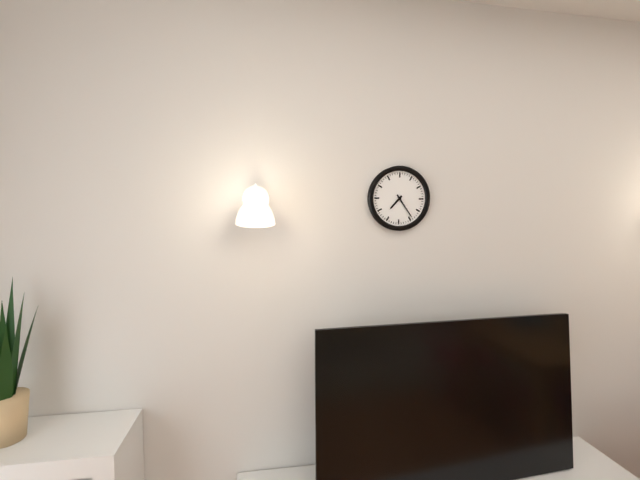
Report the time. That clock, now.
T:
7:24
